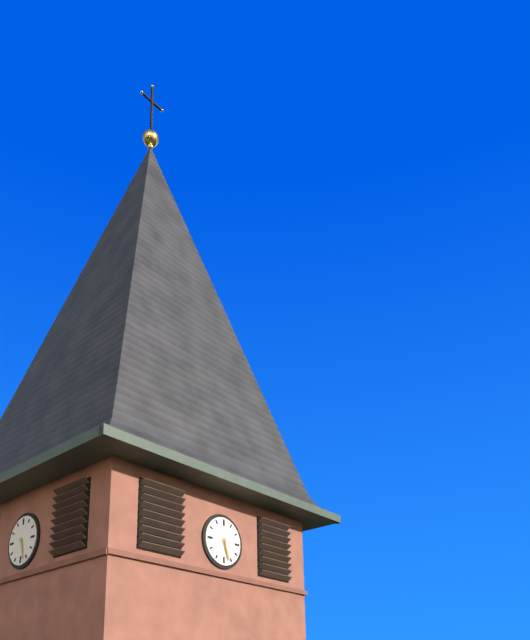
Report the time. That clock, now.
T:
5:27
